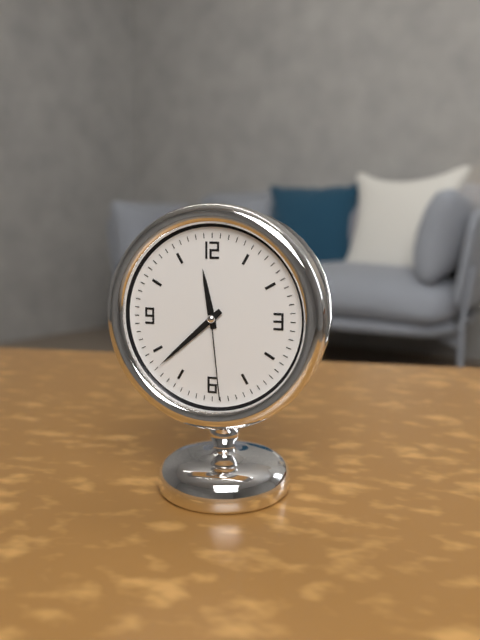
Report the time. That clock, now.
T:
11:38:29
